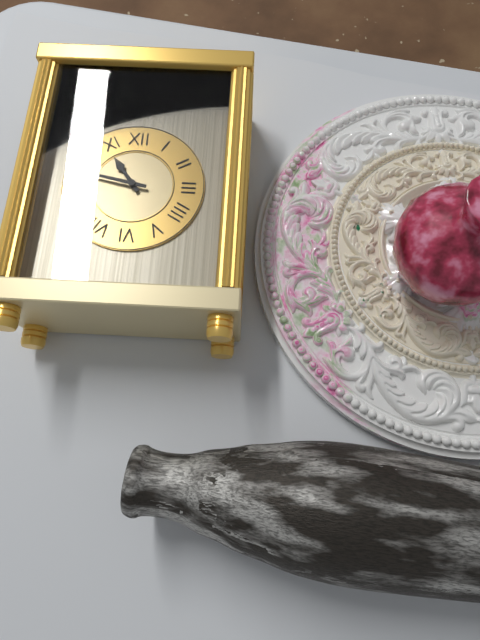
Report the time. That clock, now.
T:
10:47
